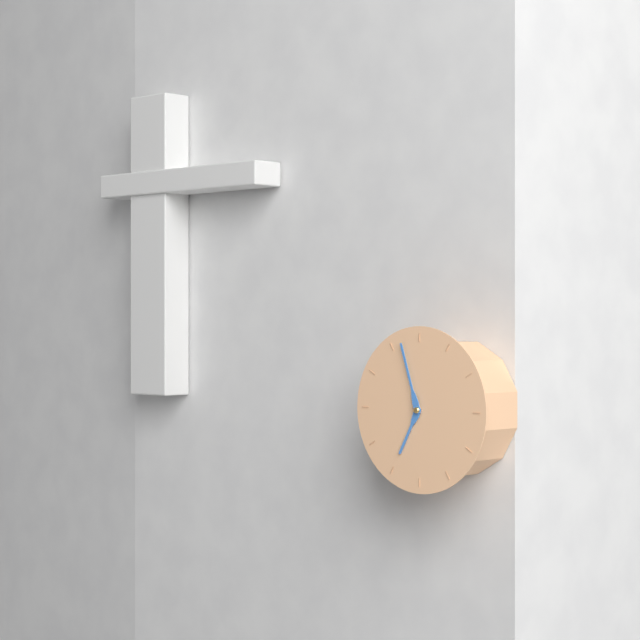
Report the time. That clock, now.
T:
6:57
